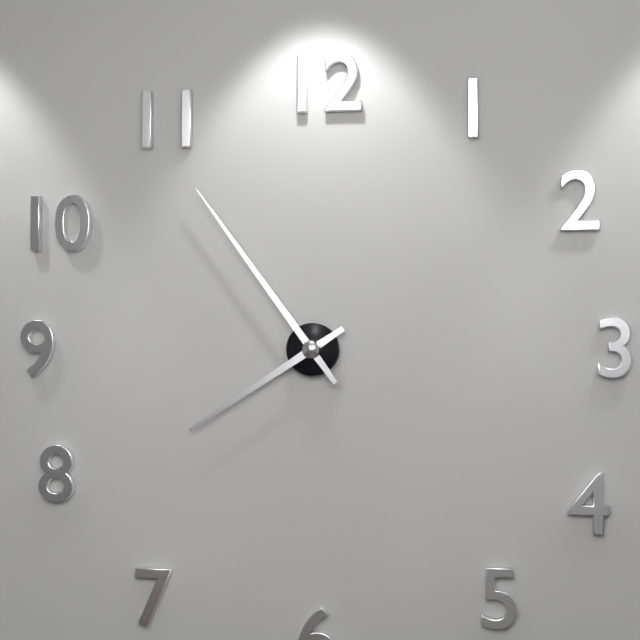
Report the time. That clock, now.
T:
7:54
